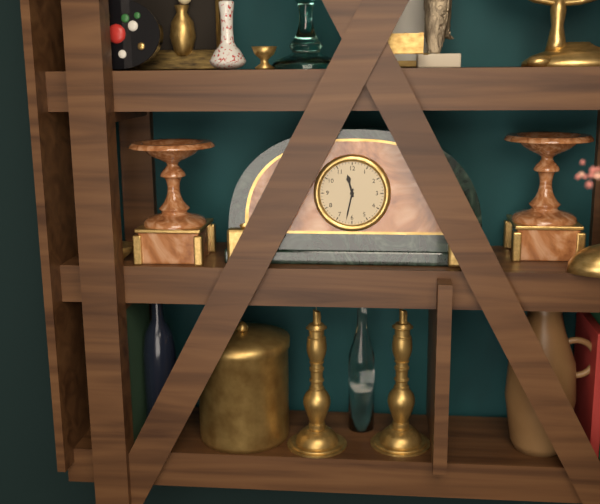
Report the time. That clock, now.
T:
11:32
